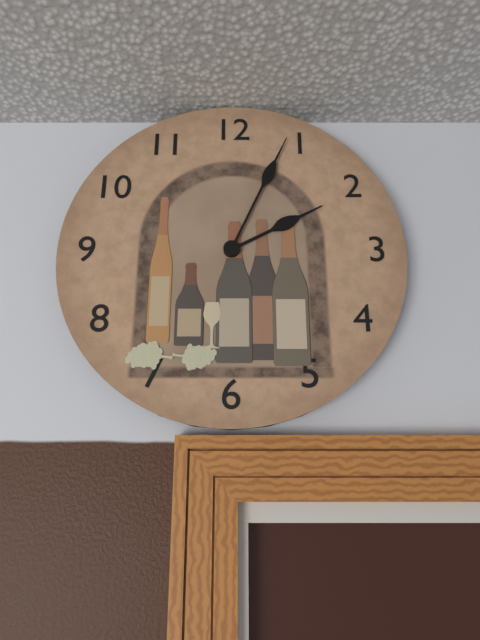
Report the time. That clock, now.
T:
2:04
